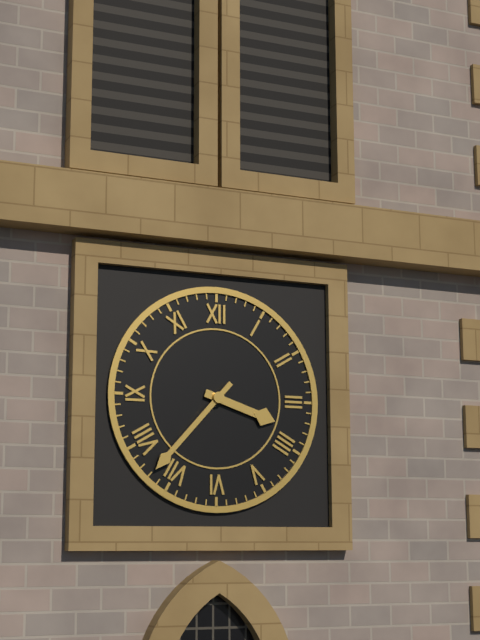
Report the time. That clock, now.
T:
3:37
